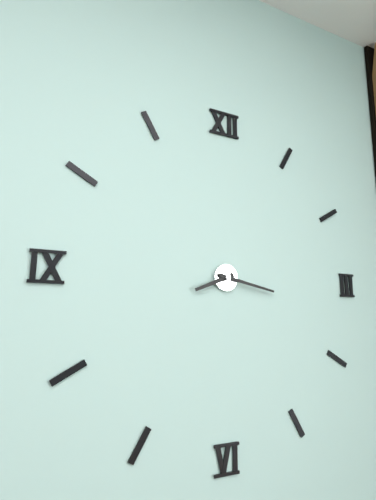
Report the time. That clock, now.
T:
8:17
